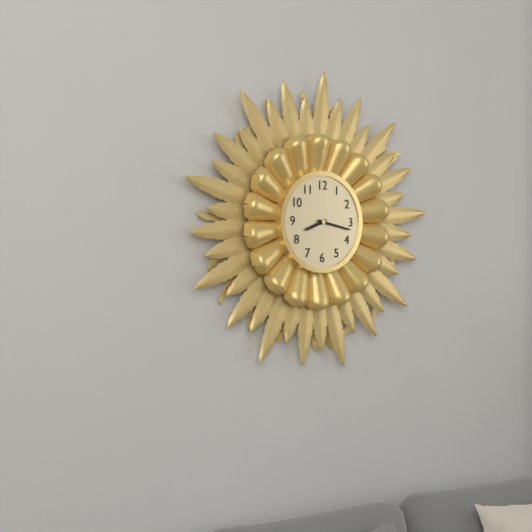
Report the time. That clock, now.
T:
8:17
